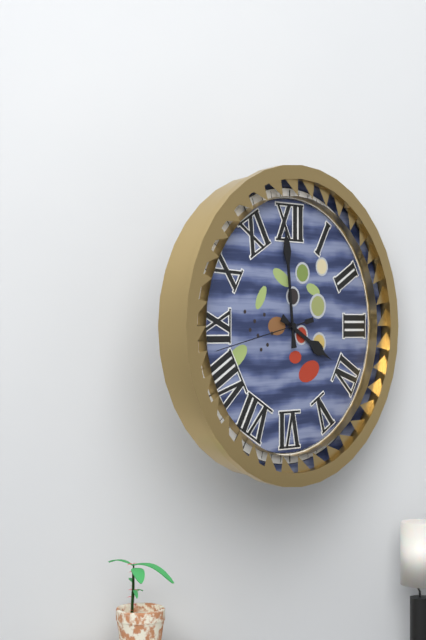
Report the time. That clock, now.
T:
3:59:43
